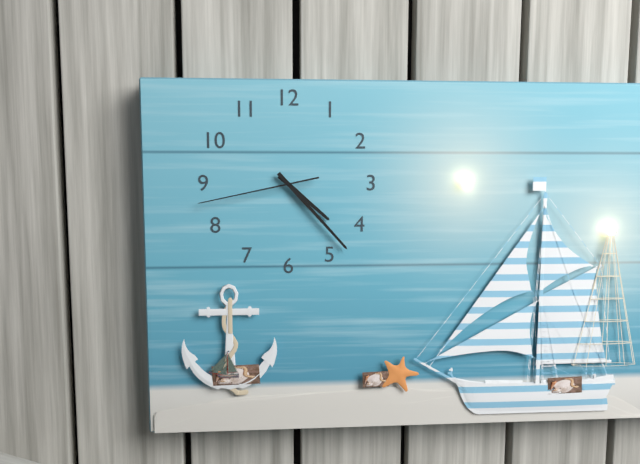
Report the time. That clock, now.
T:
4:23:43
